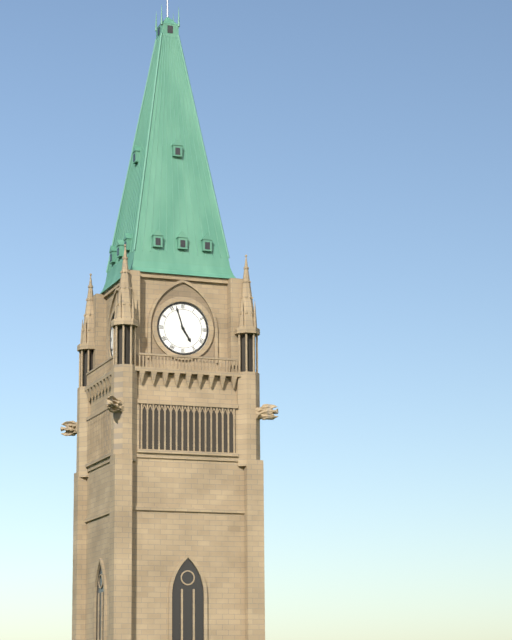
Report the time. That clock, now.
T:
4:57
